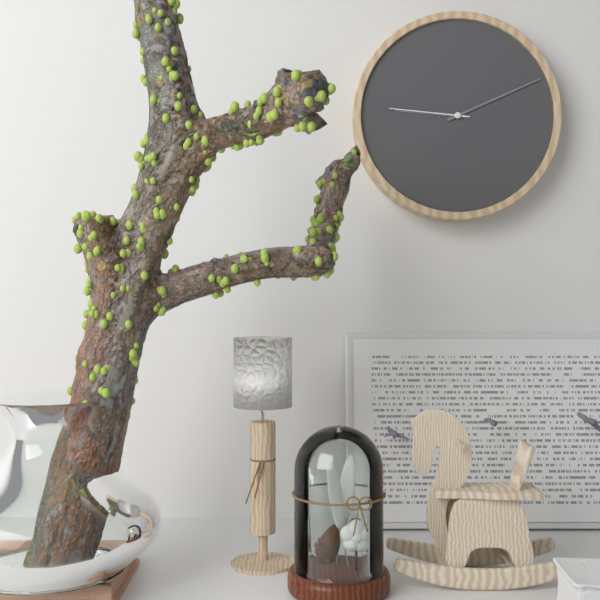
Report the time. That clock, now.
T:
9:11:46
